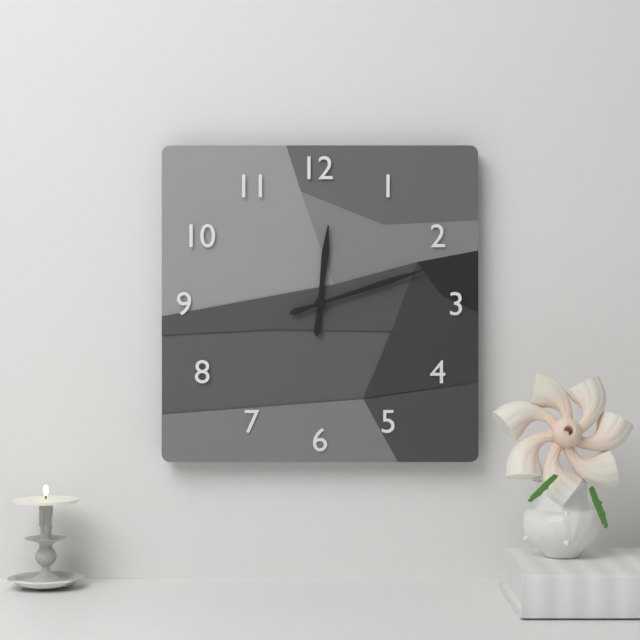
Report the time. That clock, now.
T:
12:12
